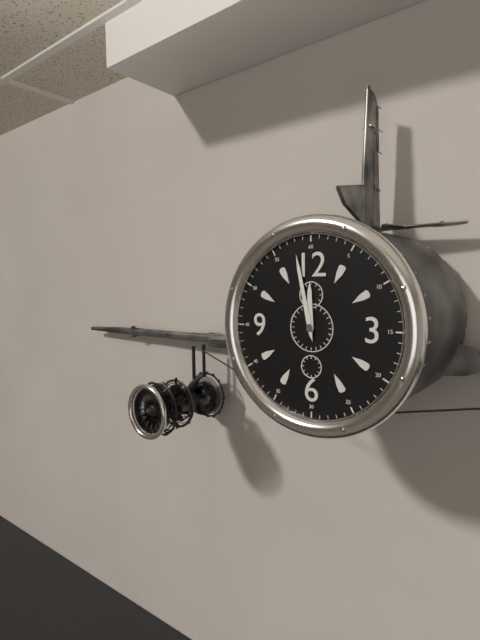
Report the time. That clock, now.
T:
11:58
